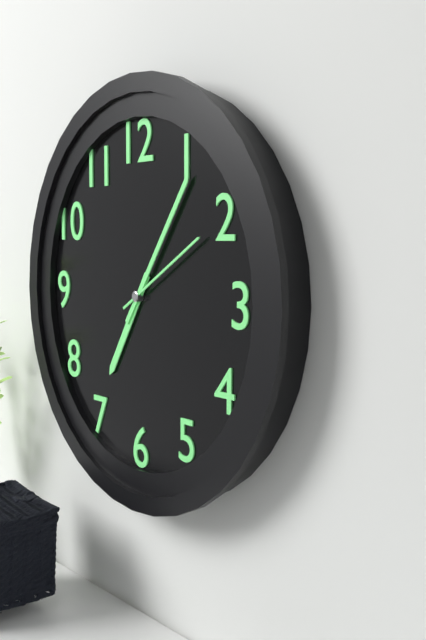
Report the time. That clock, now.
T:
7:06:10
